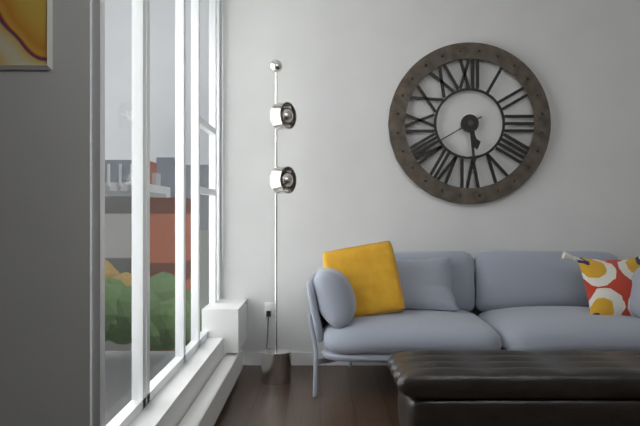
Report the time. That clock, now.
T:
5:29:40
